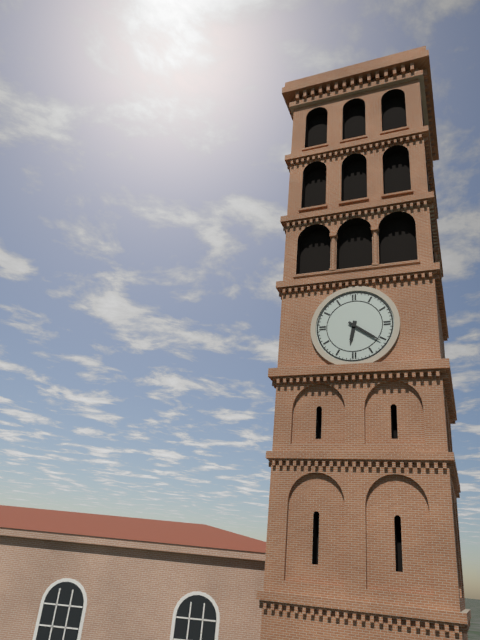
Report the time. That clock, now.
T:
6:21
